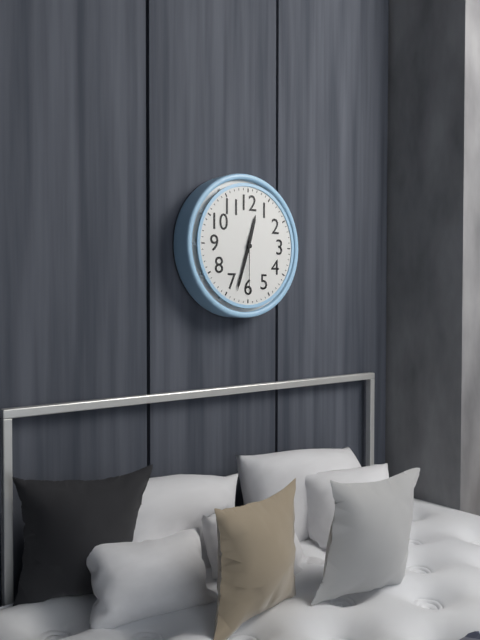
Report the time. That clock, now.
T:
12:33:30
